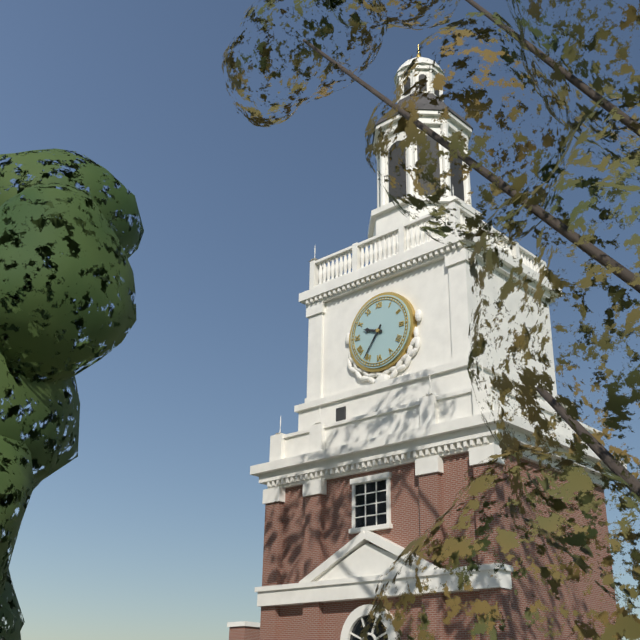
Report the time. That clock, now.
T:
9:36
